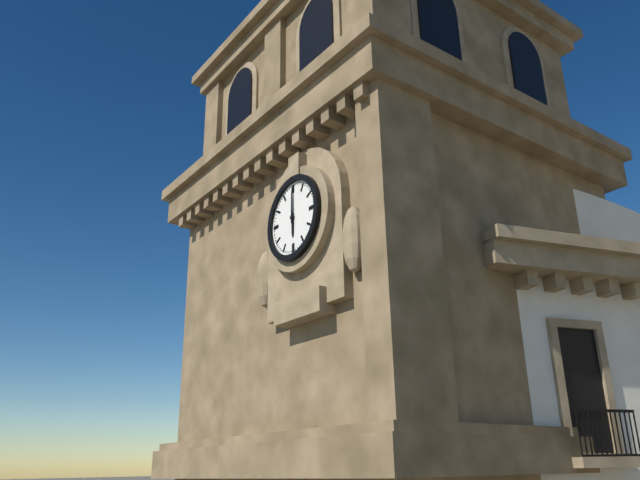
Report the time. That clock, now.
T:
6:00
